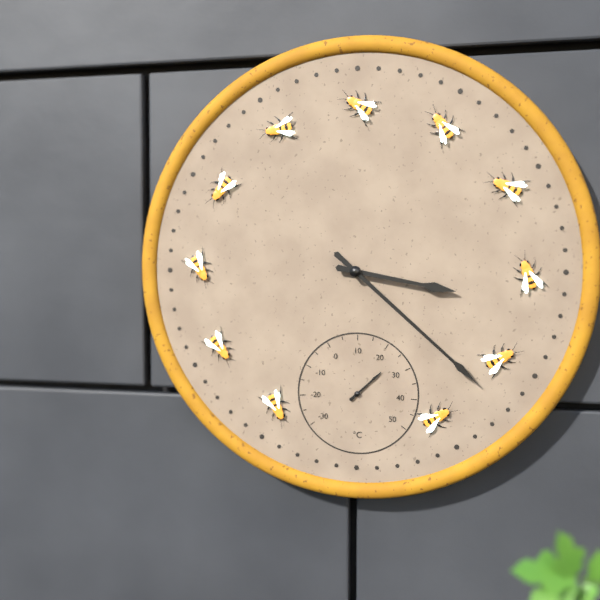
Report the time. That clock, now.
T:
3:22
